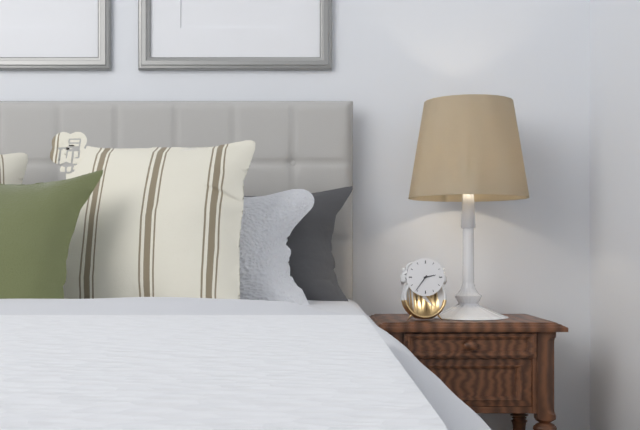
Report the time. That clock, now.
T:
2:36
